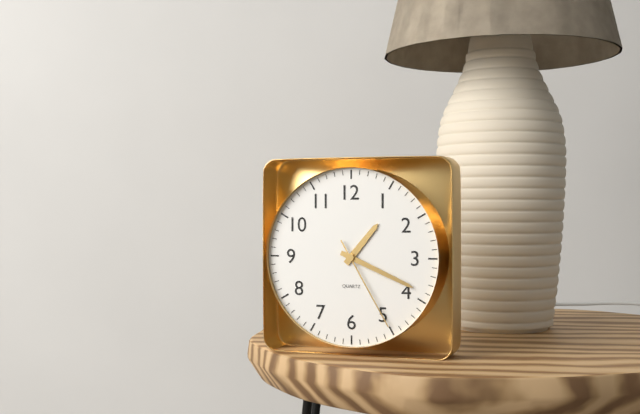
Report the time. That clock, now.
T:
1:19:25
